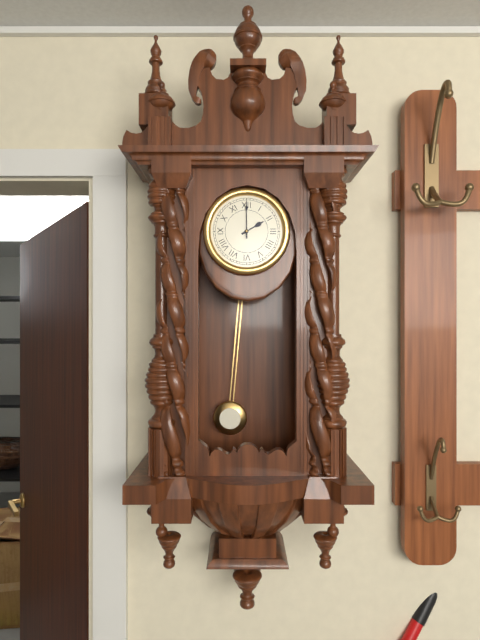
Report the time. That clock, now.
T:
2:00
